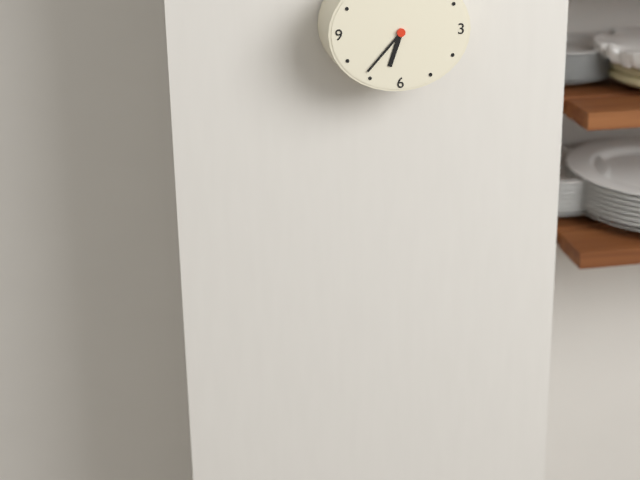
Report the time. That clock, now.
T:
6:37
